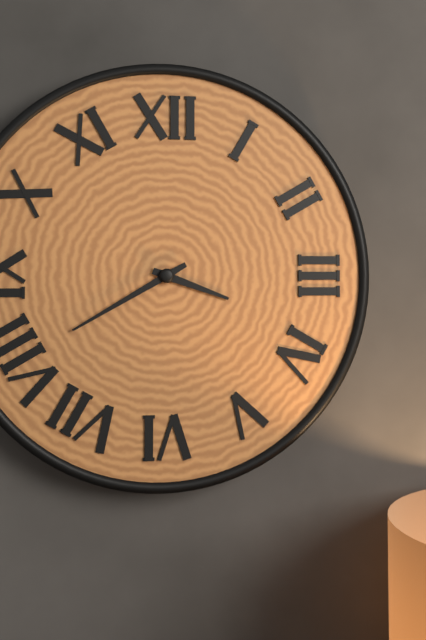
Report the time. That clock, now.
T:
3:40
